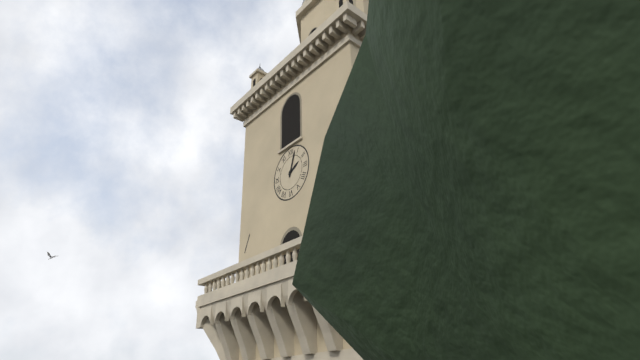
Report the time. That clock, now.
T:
2:03
